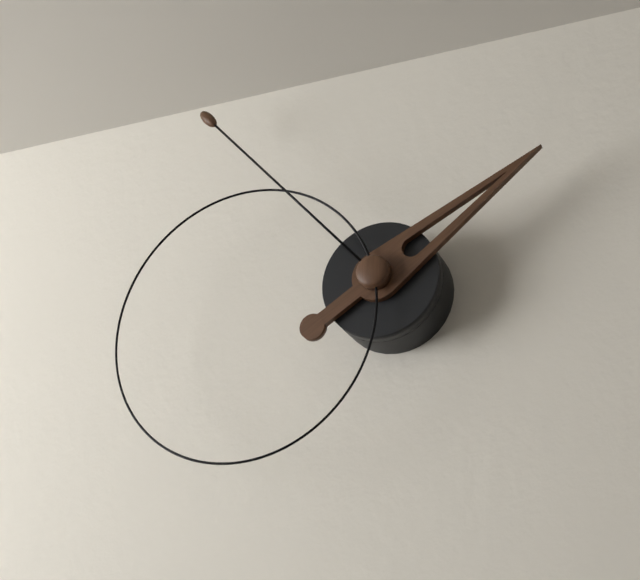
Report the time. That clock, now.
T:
1:53:43
